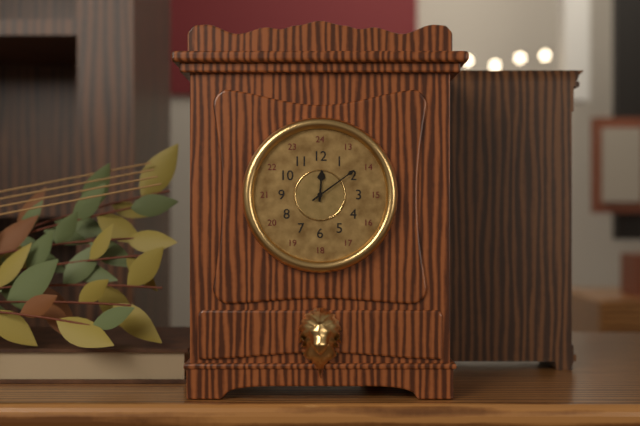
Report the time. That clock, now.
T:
12:09
